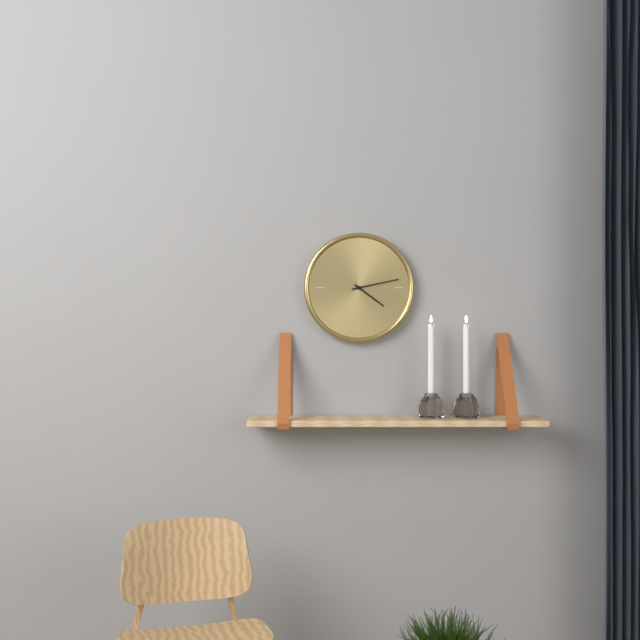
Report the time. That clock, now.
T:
4:13
